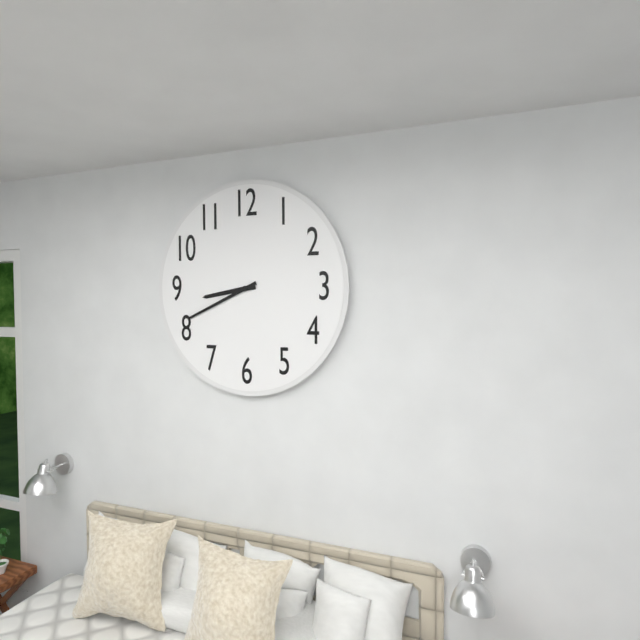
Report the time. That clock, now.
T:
8:41
